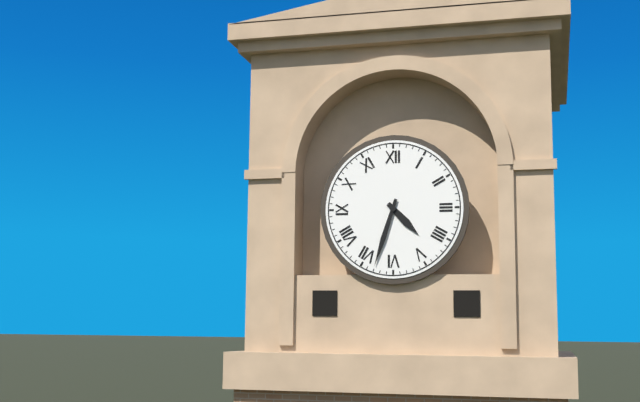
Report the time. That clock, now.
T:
4:33
